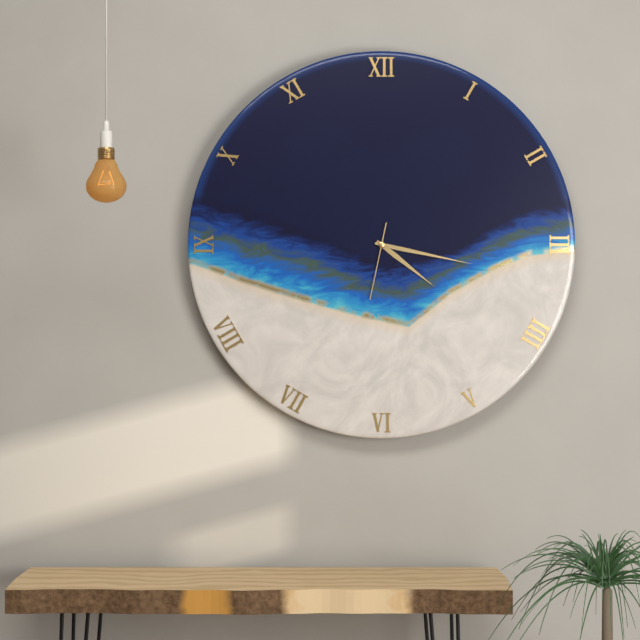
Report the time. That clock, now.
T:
4:17:32
